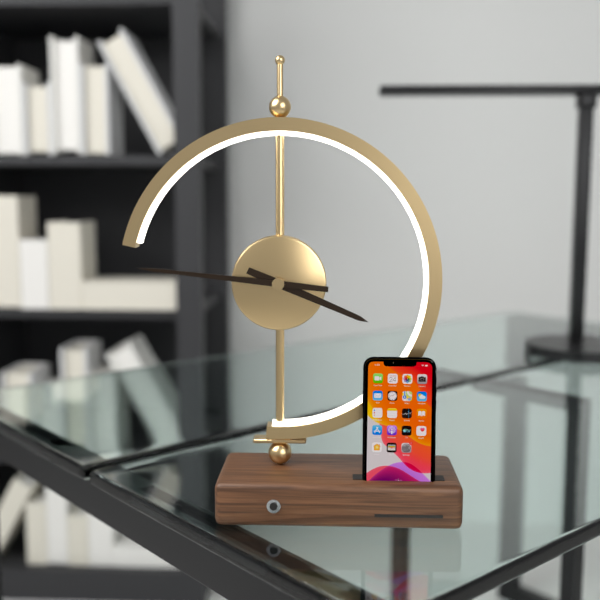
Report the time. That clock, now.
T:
3:46
